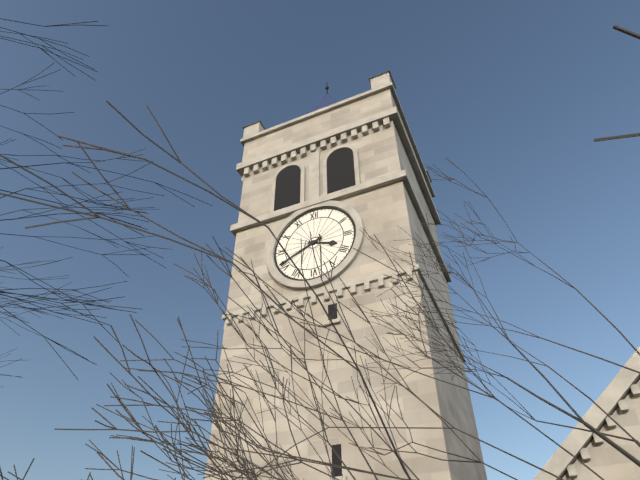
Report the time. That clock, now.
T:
3:41
